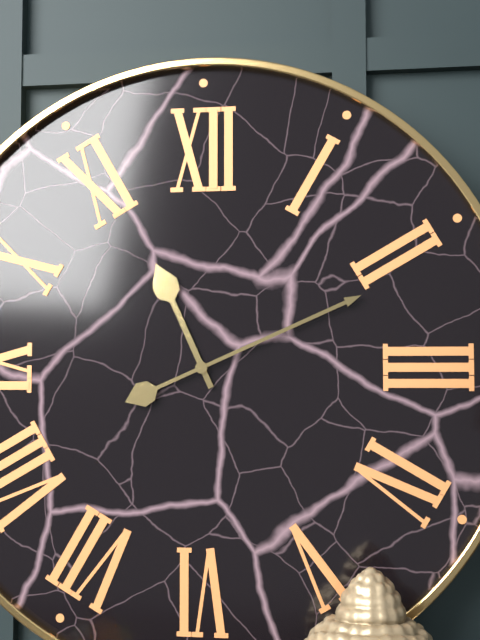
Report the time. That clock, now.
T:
11:11
